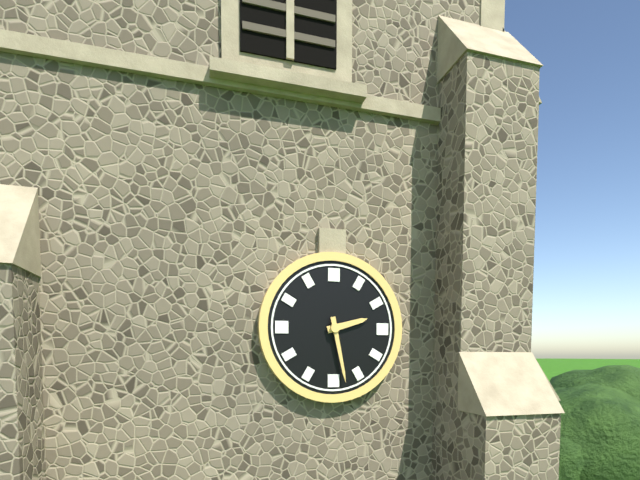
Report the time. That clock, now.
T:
2:28
